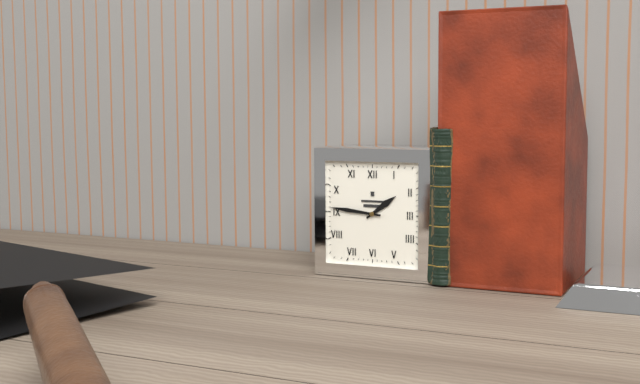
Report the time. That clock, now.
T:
1:46
